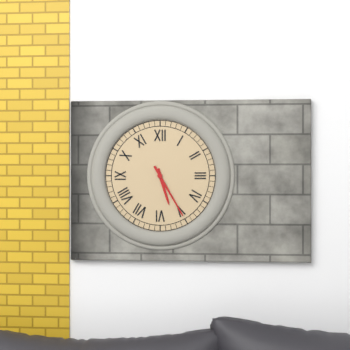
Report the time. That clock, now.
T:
5:25
